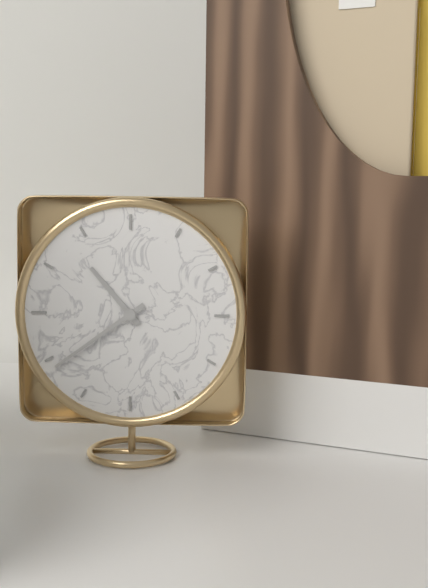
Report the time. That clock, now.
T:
10:39
